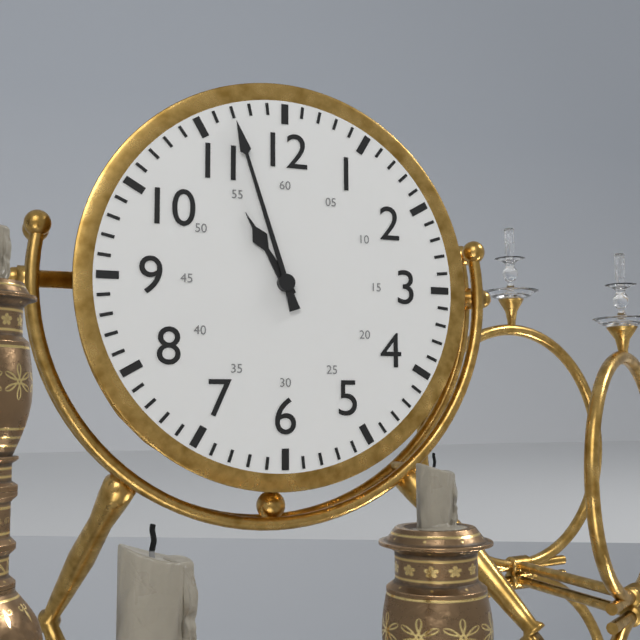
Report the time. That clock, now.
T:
10:57
